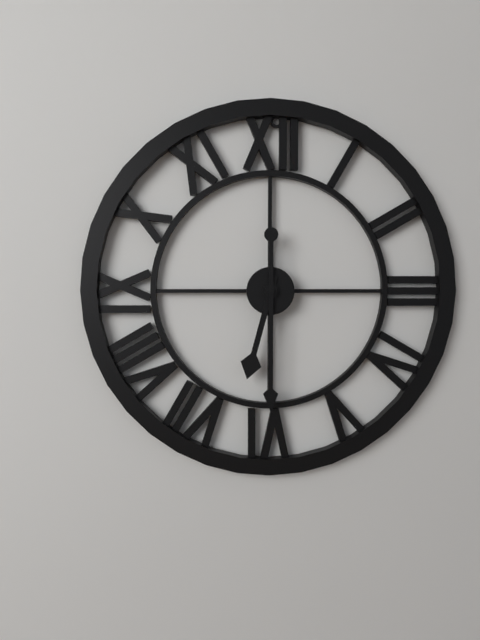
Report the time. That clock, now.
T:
6:30
